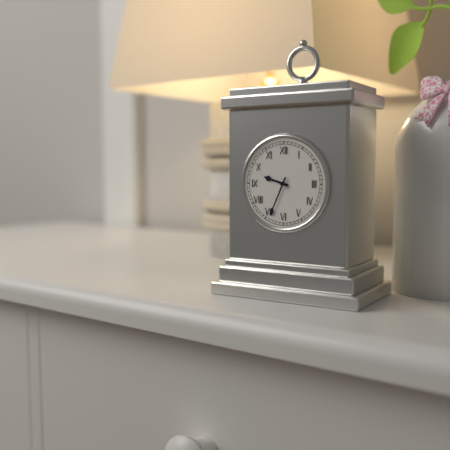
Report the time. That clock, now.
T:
9:34
